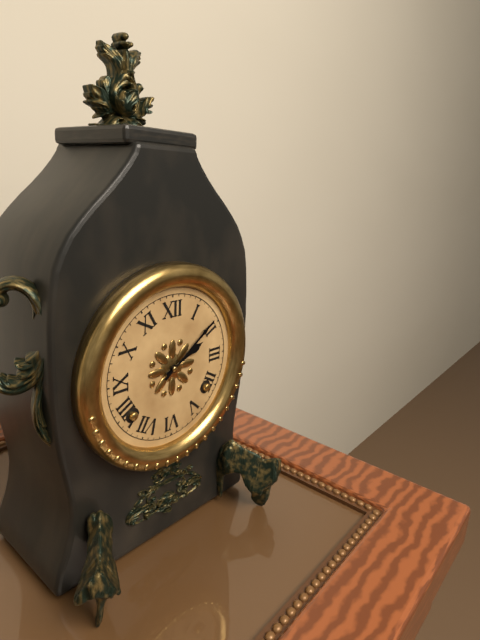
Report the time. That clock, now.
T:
2:09
